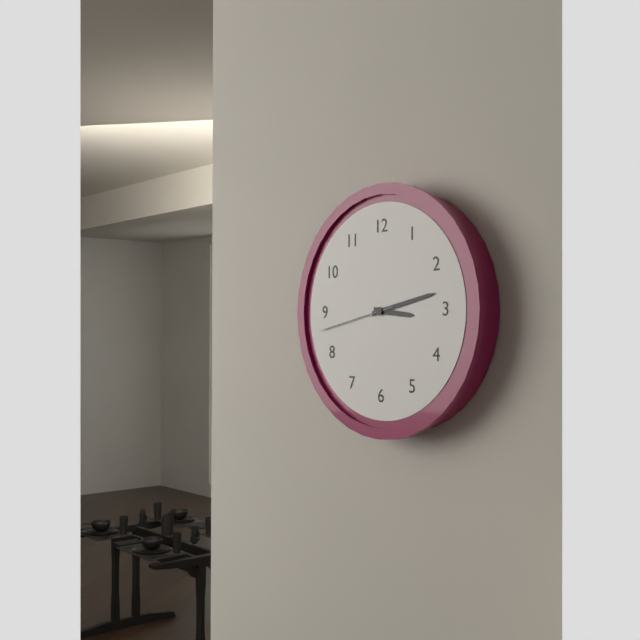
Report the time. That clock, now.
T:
3:13:43
